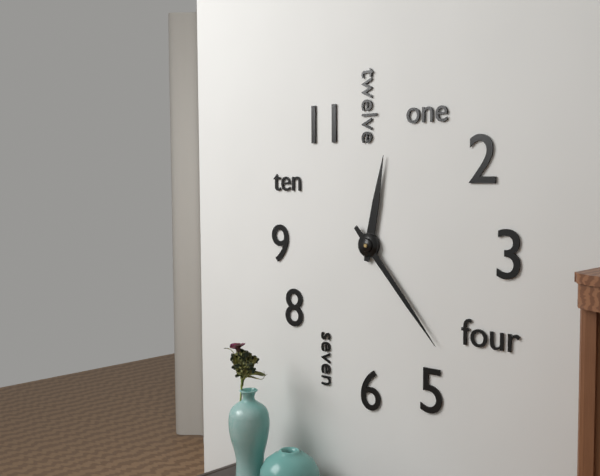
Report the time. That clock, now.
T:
12:23
